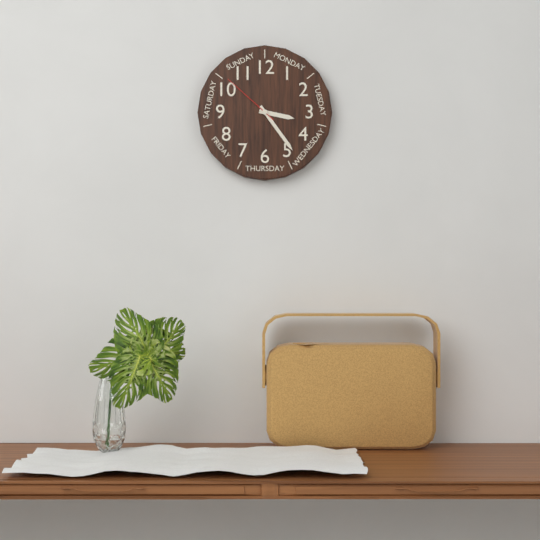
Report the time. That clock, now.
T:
3:24:52
